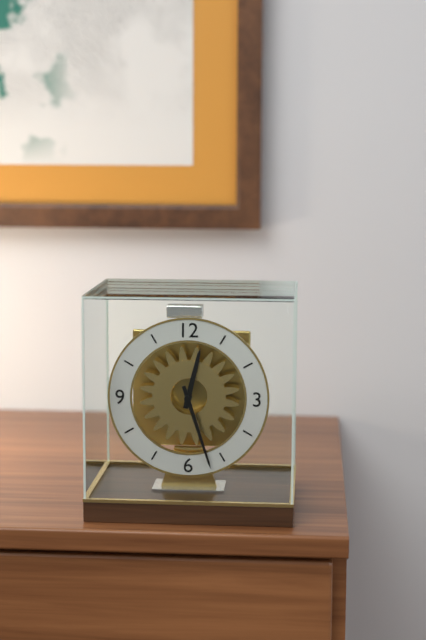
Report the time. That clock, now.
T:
12:27
